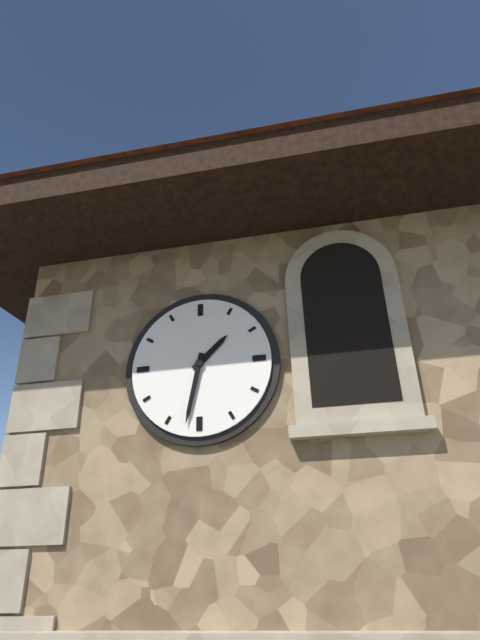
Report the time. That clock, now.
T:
1:32
